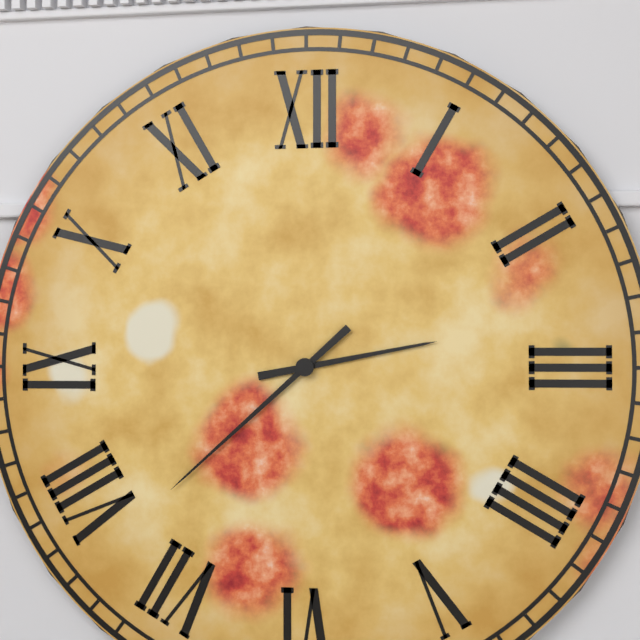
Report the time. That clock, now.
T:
2:38
